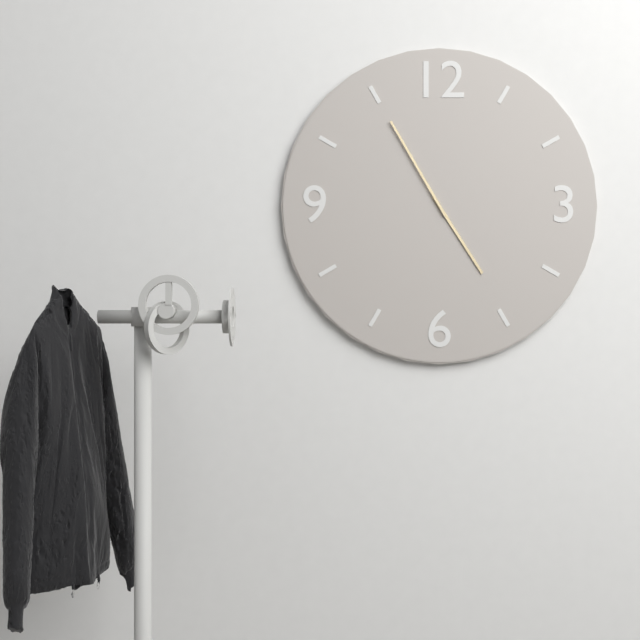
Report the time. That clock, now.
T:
4:55
